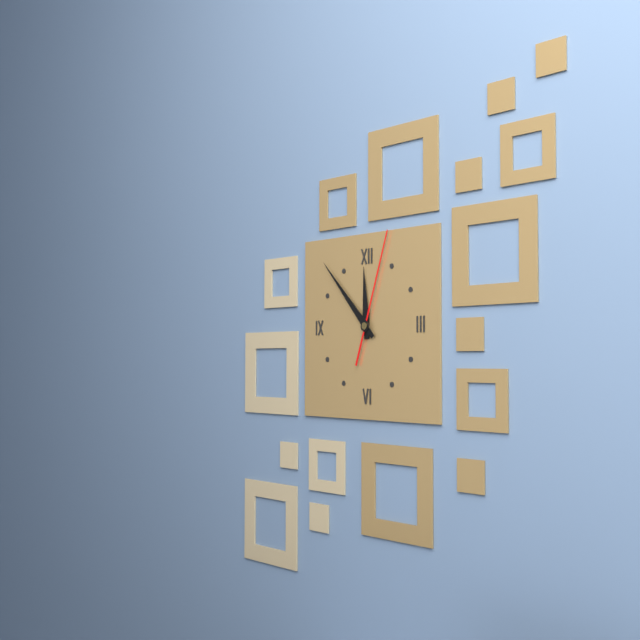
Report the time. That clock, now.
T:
11:53:03
